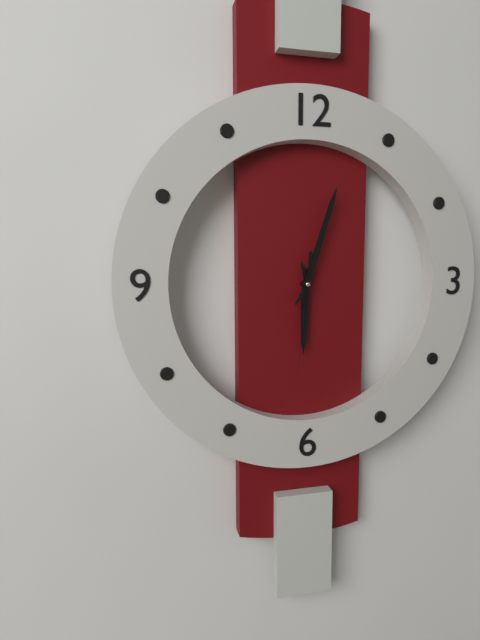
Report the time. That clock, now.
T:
6:03:31
